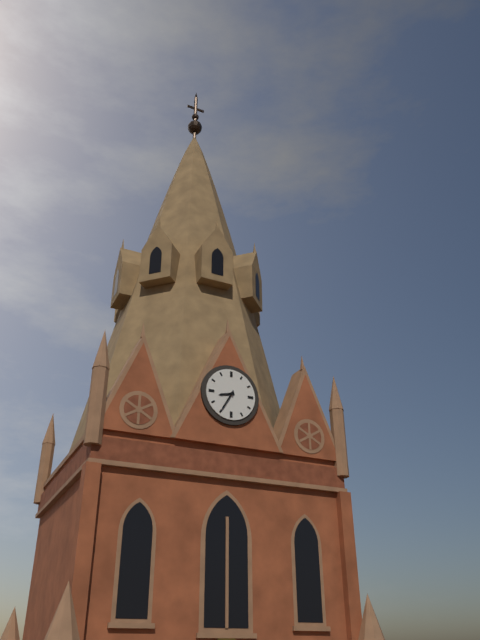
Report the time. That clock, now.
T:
8:35
